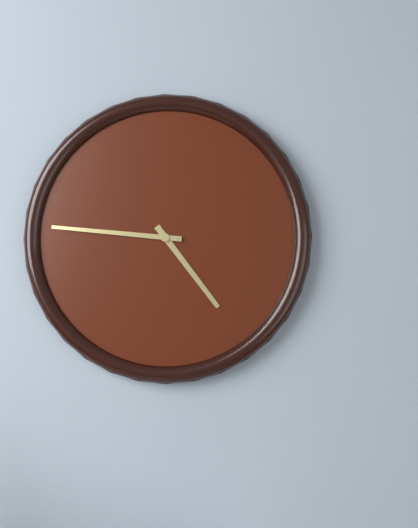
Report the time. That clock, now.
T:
4:46
